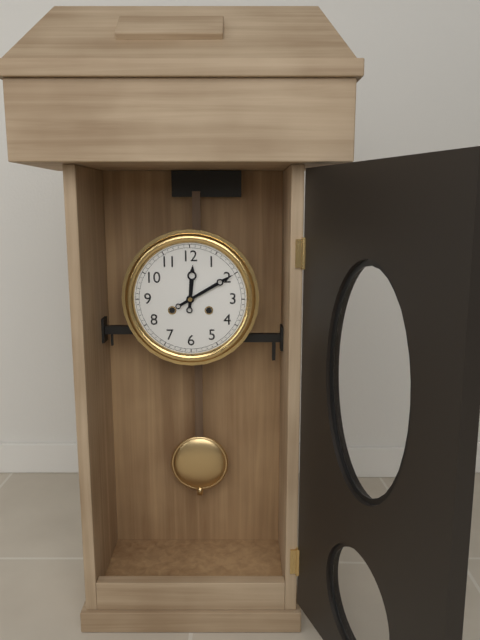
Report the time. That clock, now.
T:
12:10
